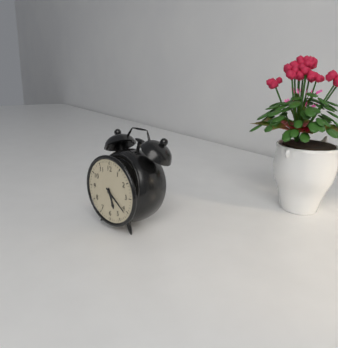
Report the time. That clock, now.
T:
5:21
